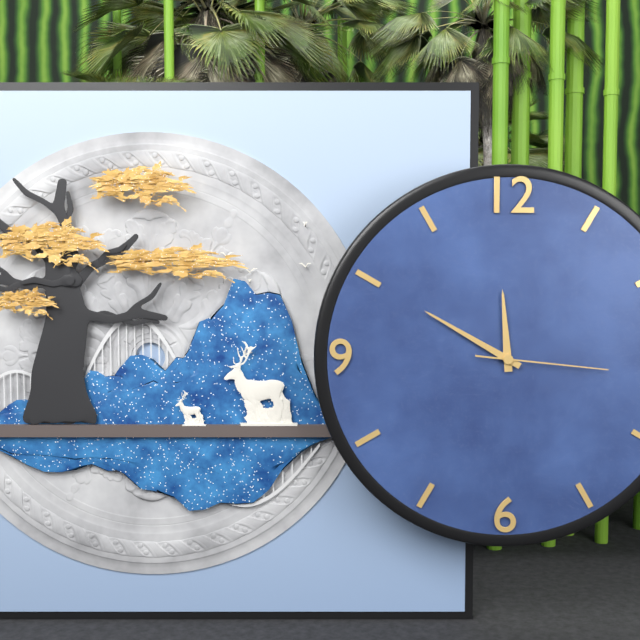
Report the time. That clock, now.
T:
11:50:16
